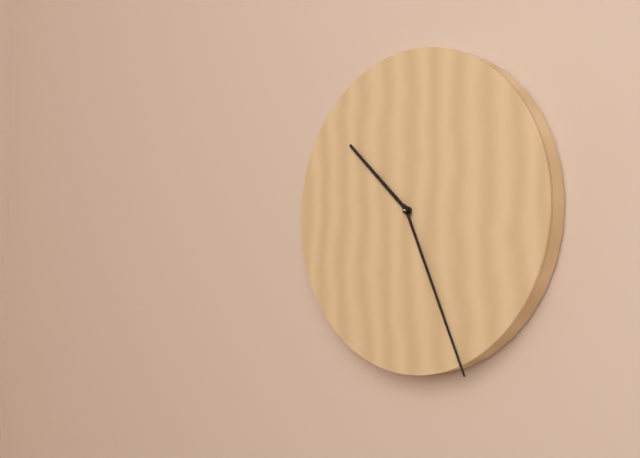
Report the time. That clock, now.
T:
10:26
